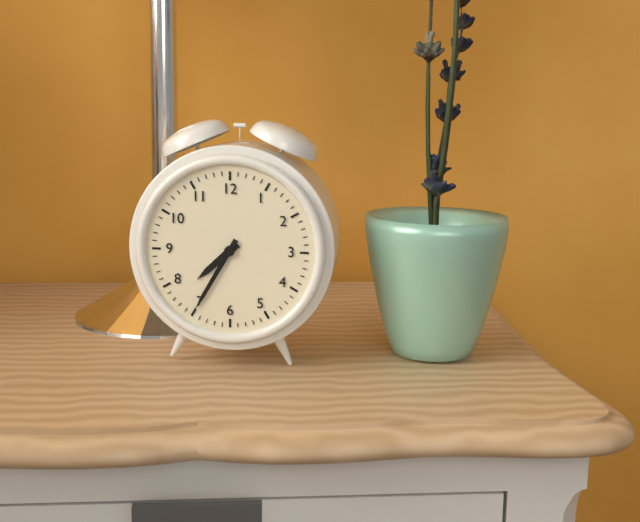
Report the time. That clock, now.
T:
7:35
